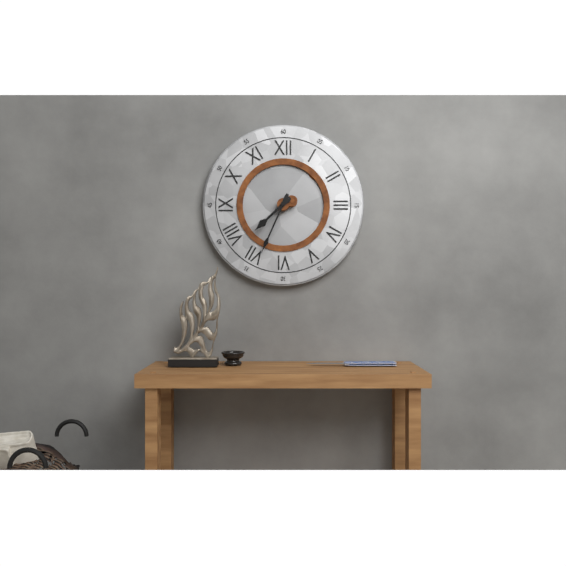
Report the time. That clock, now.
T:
7:34
